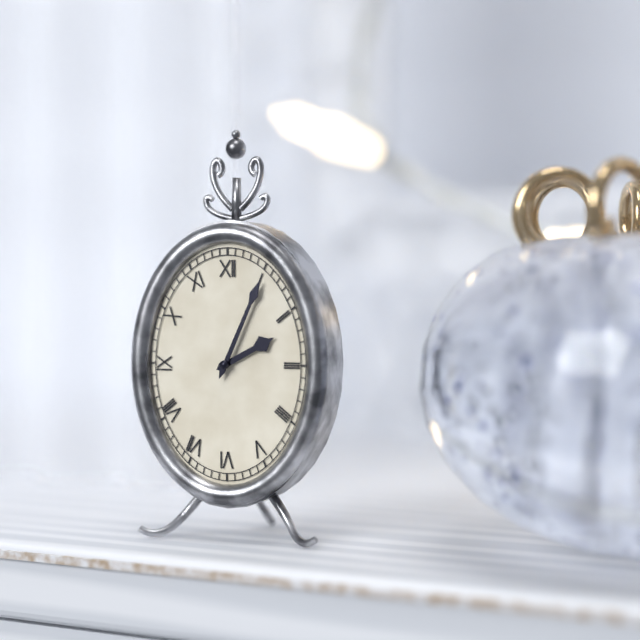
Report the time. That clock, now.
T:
2:04
